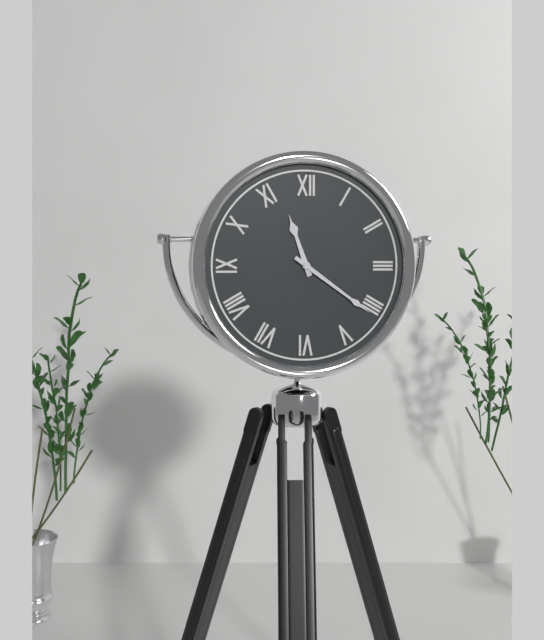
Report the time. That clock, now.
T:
11:21
